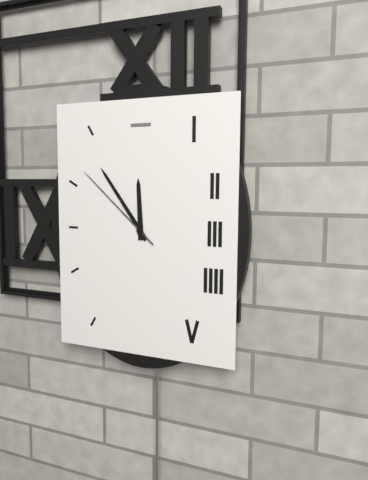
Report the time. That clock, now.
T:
11:54:52
